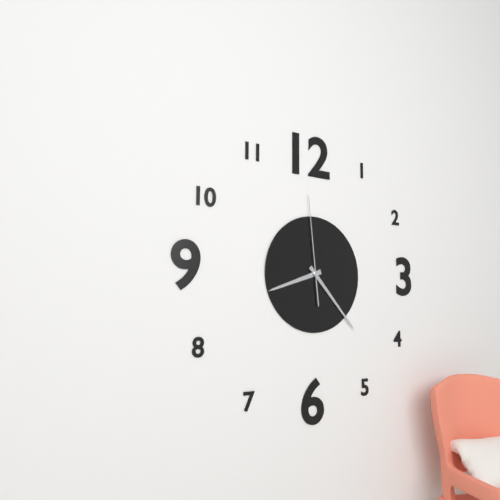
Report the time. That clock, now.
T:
8:23:59
